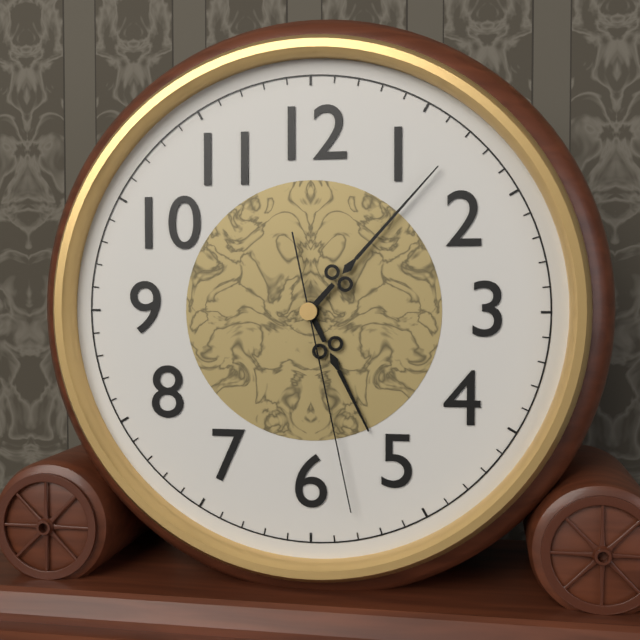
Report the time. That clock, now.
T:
5:07:28
